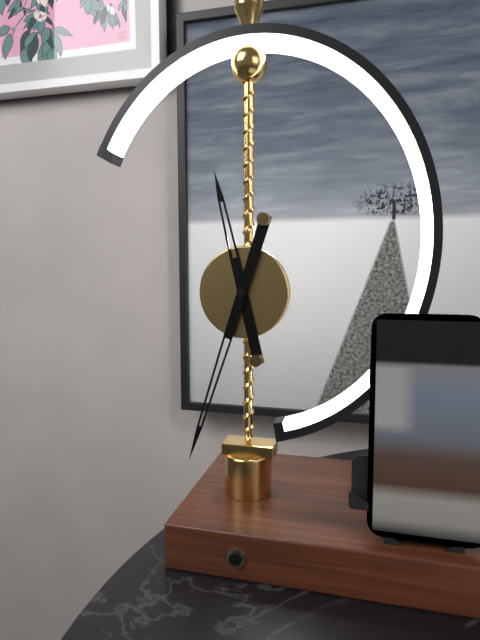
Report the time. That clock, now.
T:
11:33
